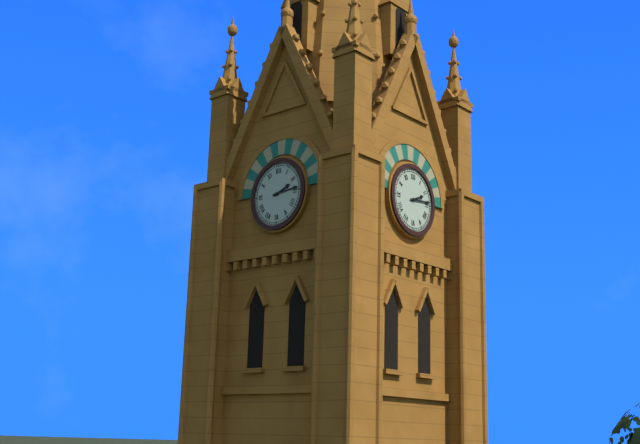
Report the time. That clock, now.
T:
2:14
